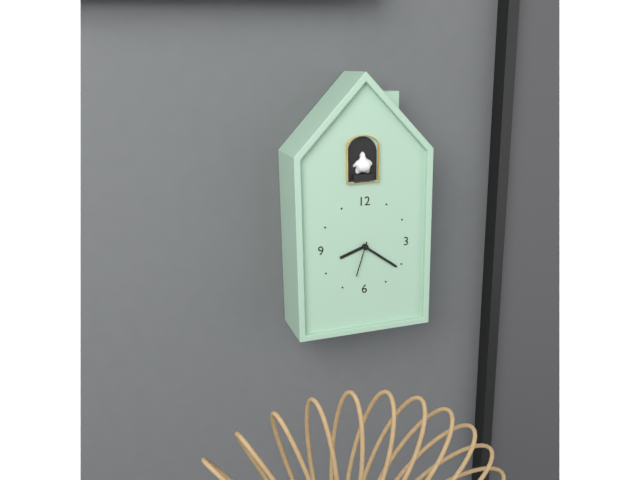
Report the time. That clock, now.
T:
8:21
